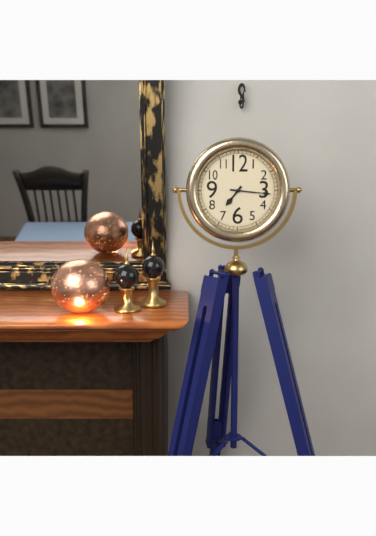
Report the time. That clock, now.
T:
7:16
